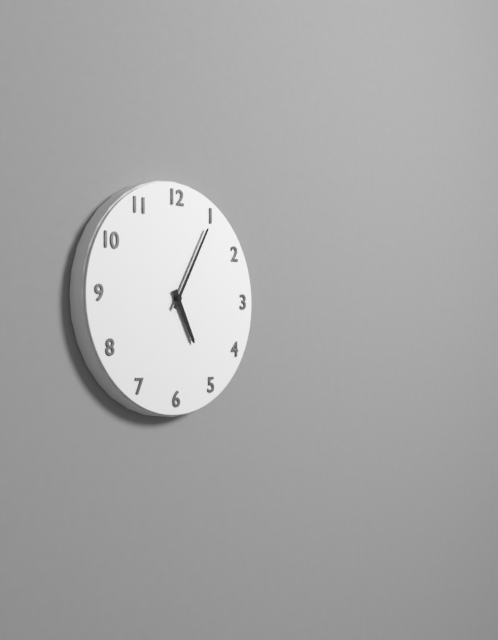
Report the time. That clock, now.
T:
5:05
